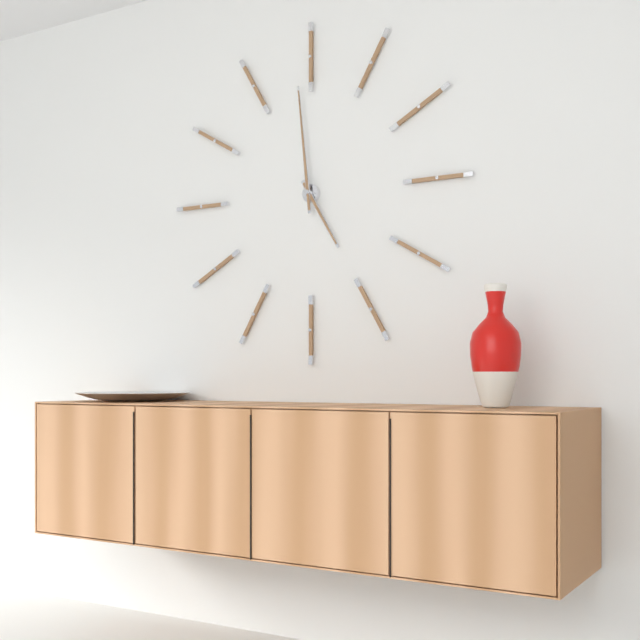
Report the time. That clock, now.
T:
4:59
